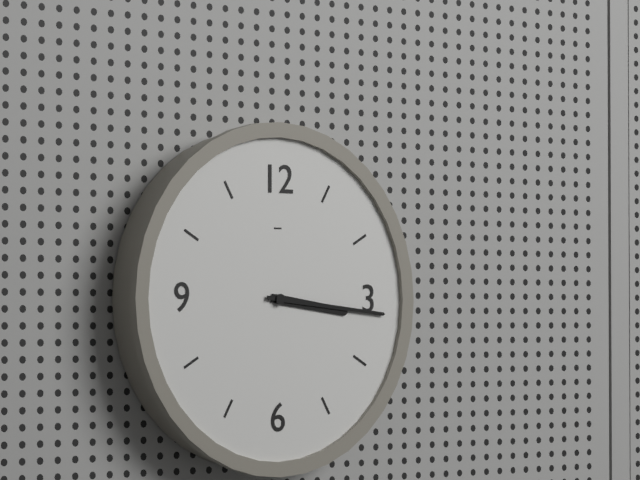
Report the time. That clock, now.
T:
3:16
